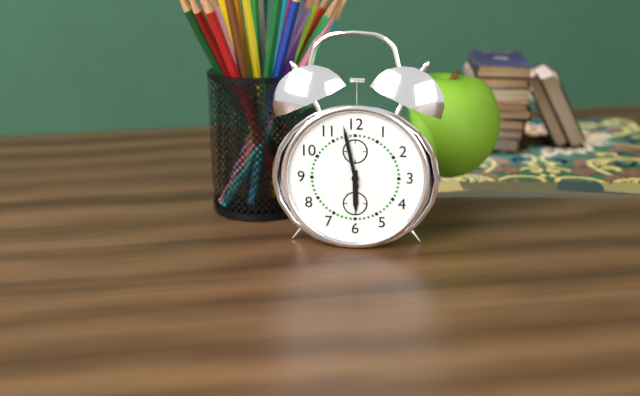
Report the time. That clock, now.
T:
5:58
